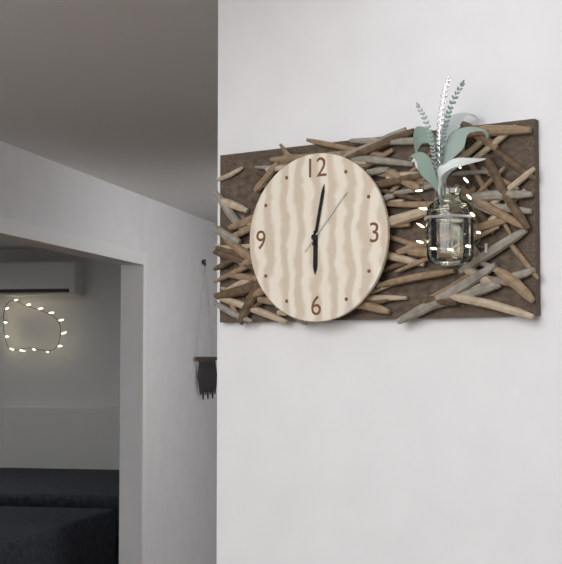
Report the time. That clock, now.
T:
6:02:07
